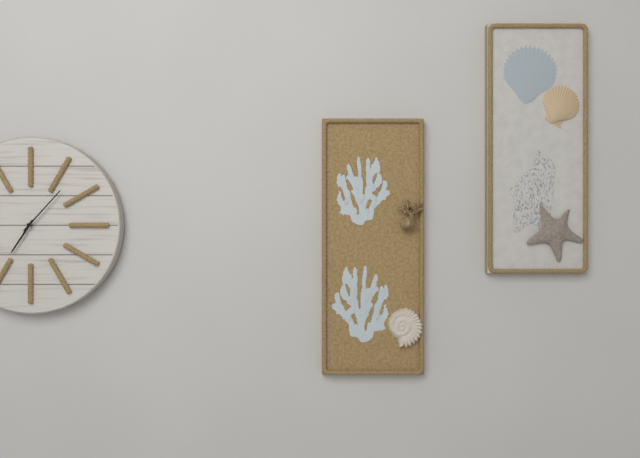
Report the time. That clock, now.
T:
7:07
